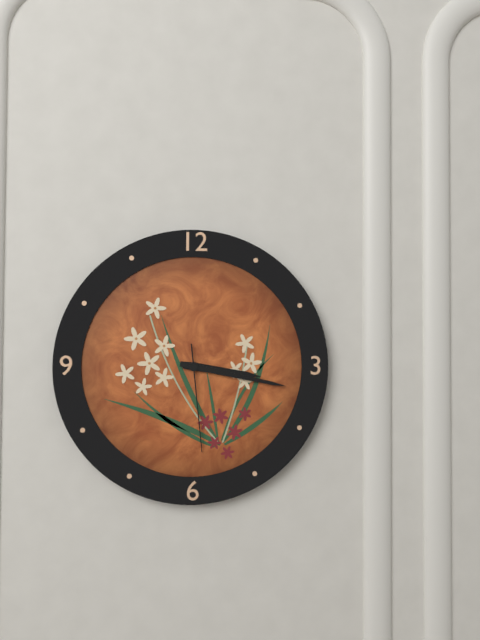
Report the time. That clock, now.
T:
3:17:29
